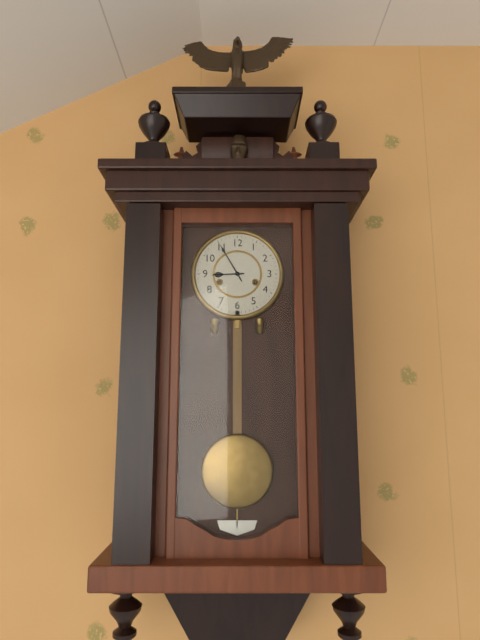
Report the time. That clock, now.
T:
8:55
